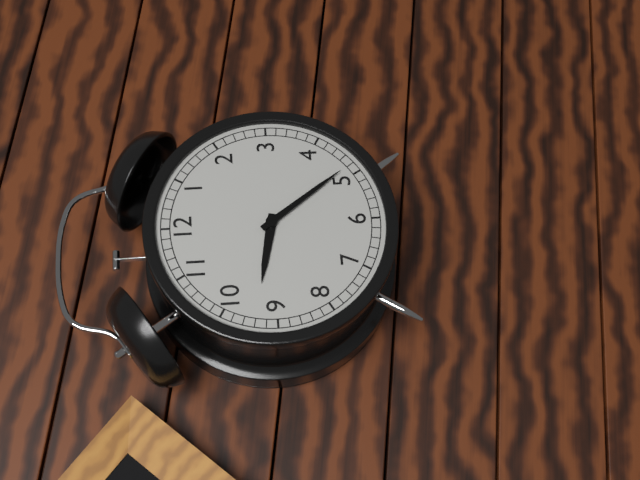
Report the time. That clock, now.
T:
9:24
